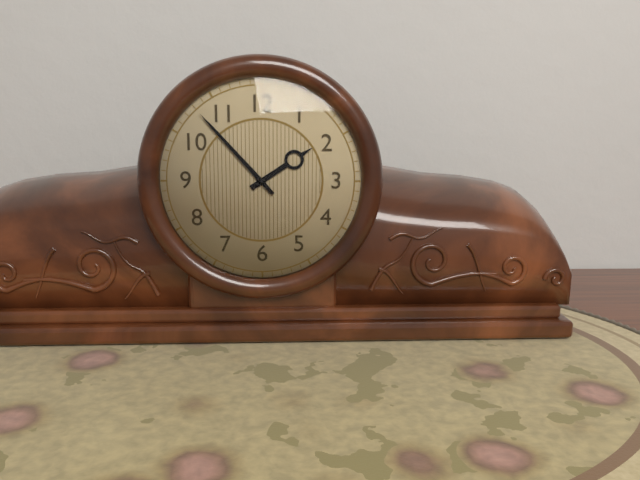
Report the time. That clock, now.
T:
1:53
